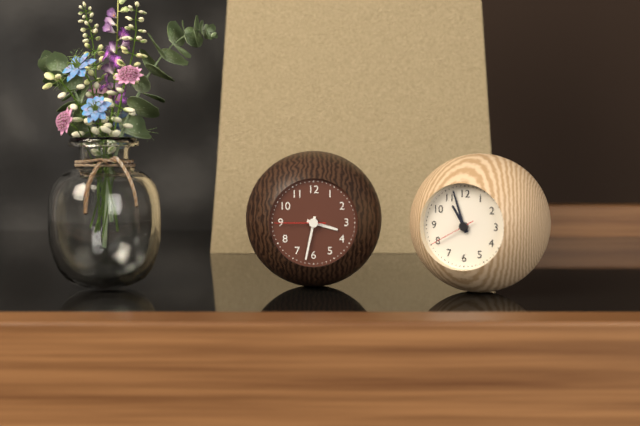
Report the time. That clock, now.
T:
3:32
